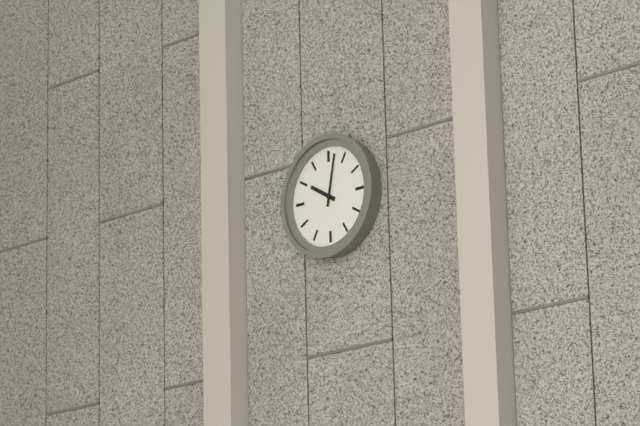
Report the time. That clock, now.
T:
10:02
